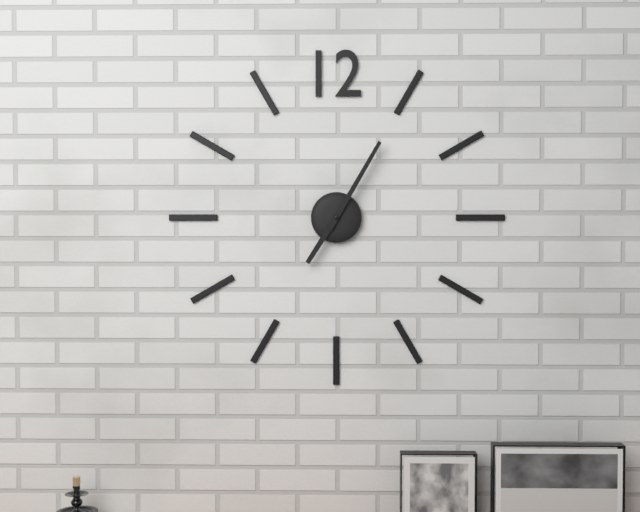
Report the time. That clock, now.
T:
7:05
